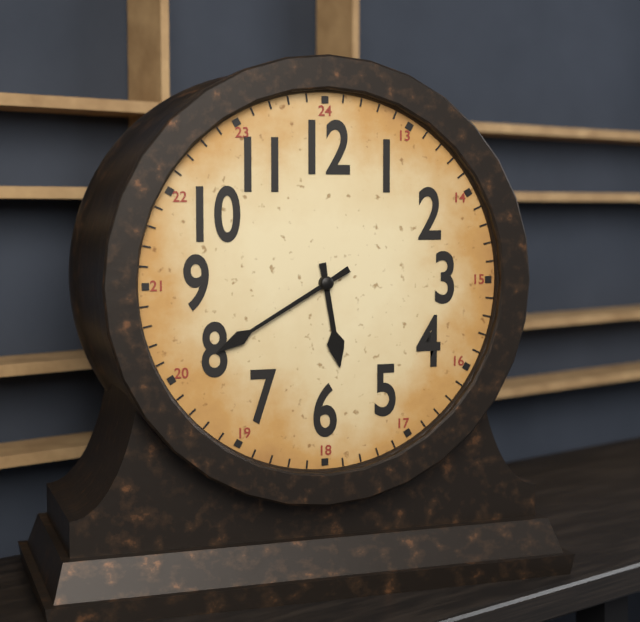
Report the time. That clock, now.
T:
5:40
